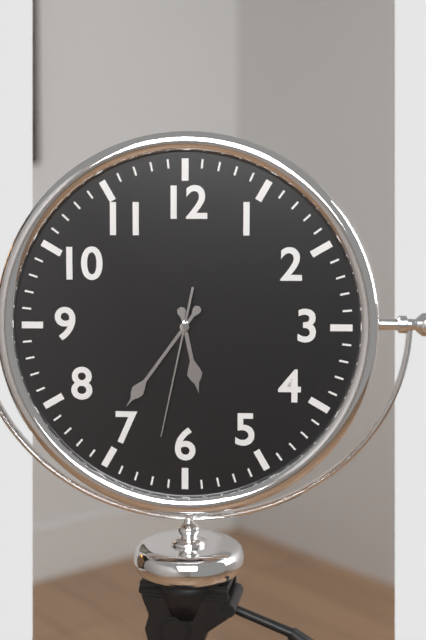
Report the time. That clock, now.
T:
5:36:32
